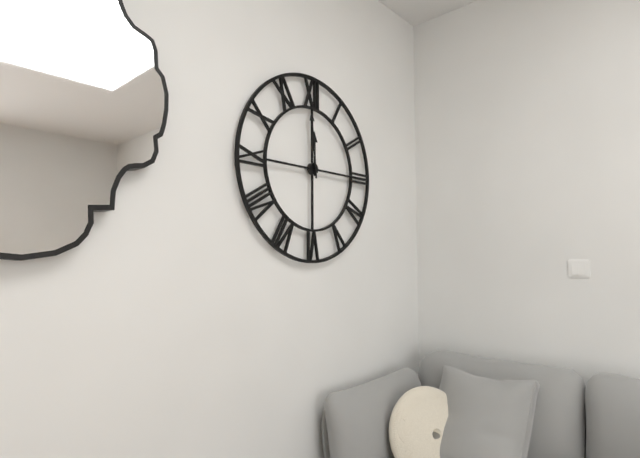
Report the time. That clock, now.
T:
11:59
